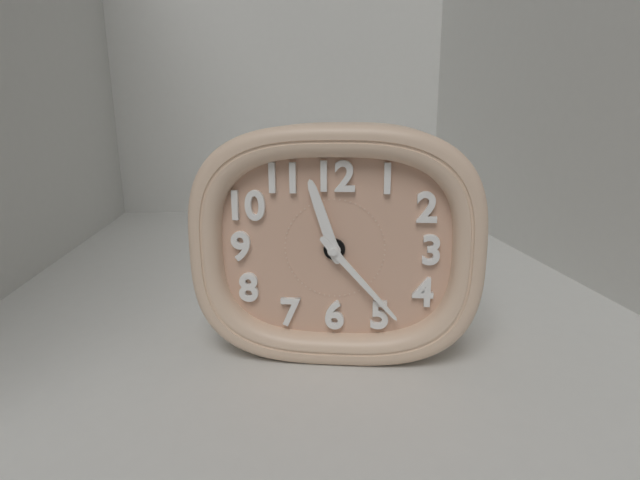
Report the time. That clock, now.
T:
11:23
